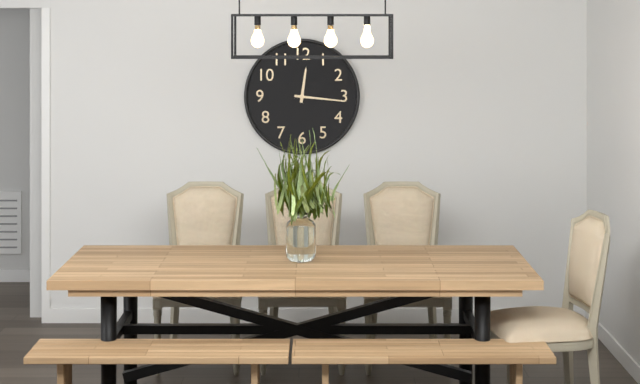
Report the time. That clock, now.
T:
12:16
